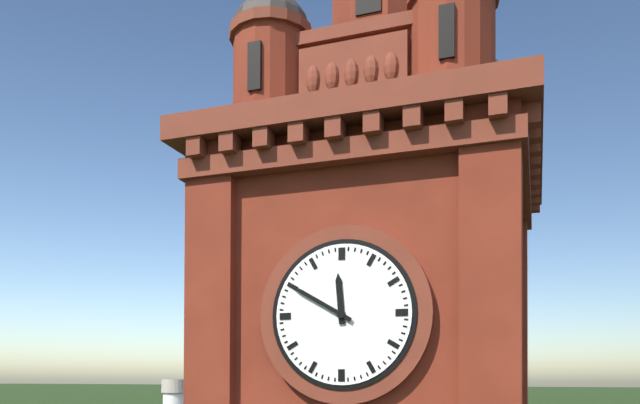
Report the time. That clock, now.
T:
11:50
